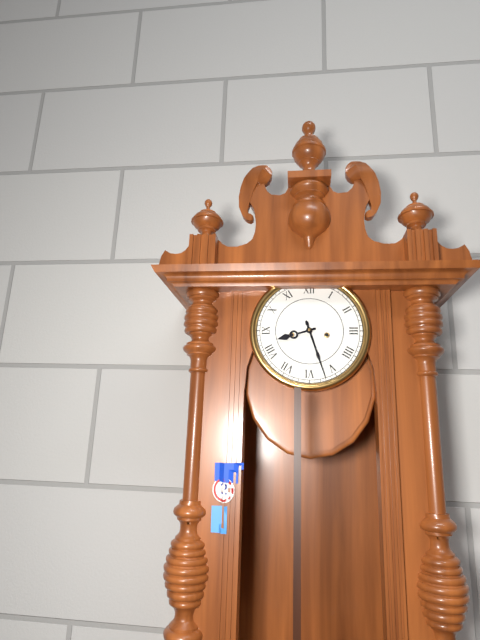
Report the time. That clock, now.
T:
8:27
